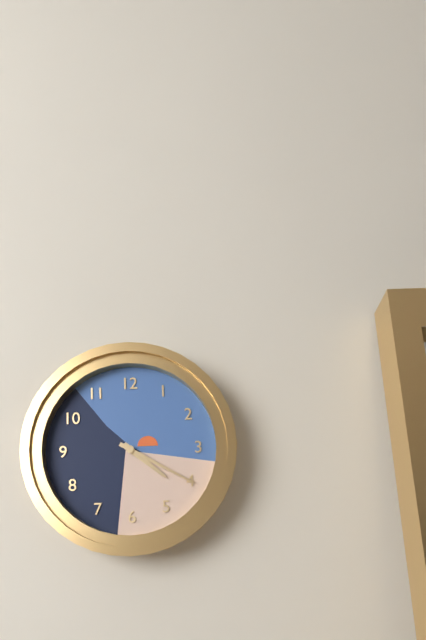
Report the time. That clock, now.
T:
4:20
